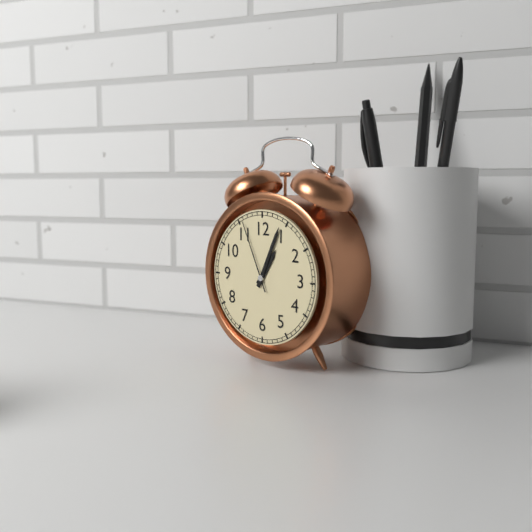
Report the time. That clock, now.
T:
1:04:56
